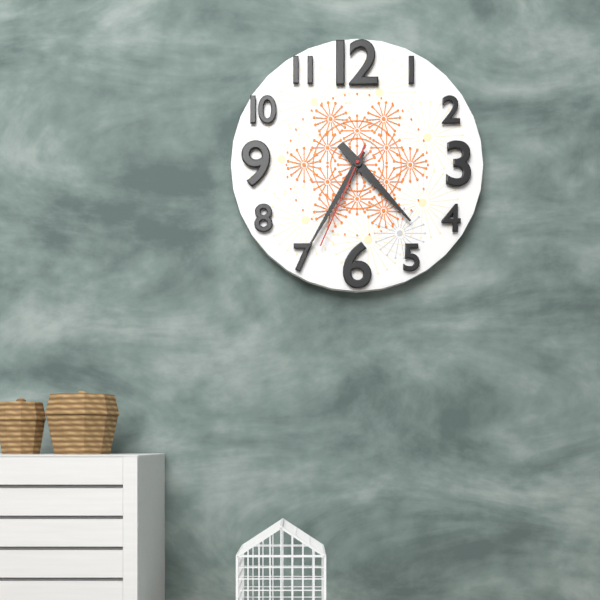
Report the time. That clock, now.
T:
4:35:34
